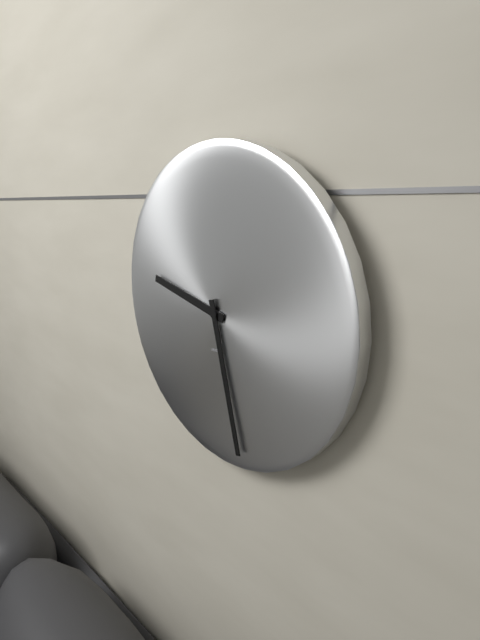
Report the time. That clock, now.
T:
9:28
